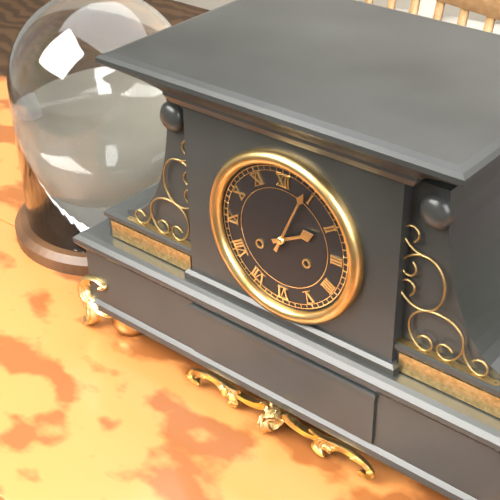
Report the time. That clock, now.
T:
2:04
